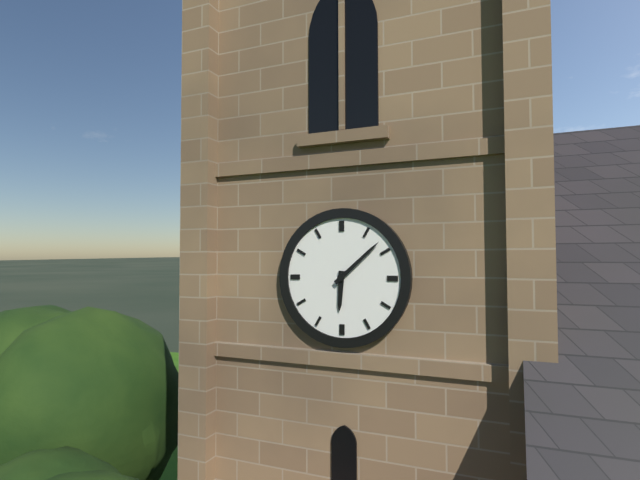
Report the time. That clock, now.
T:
6:08
